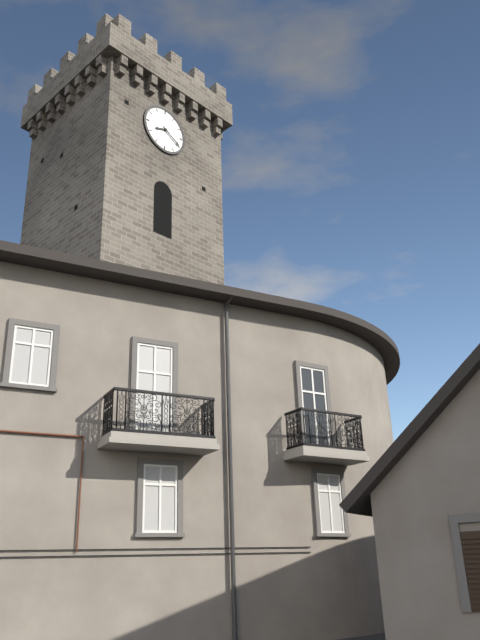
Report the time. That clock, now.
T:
8:20
